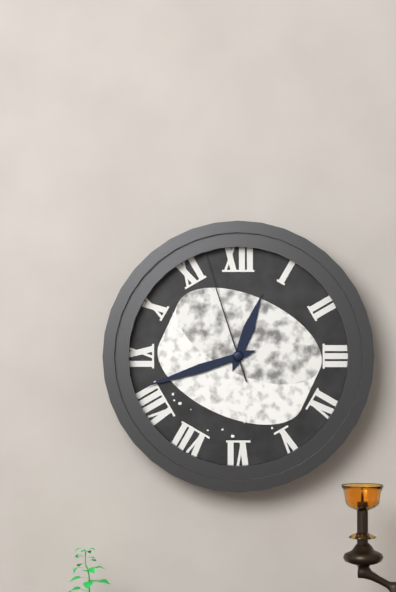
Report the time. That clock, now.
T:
12:42:57
